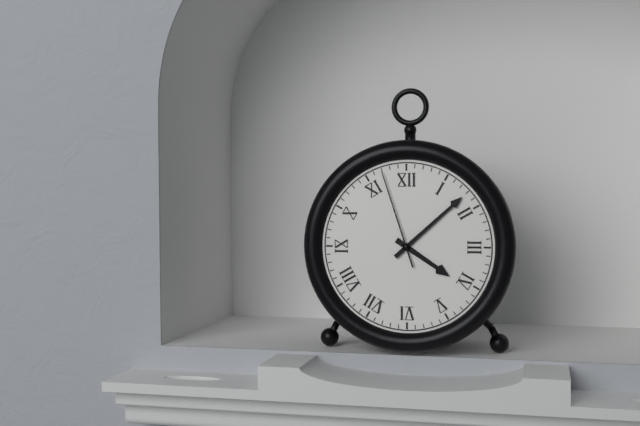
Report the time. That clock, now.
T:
4:08:57
